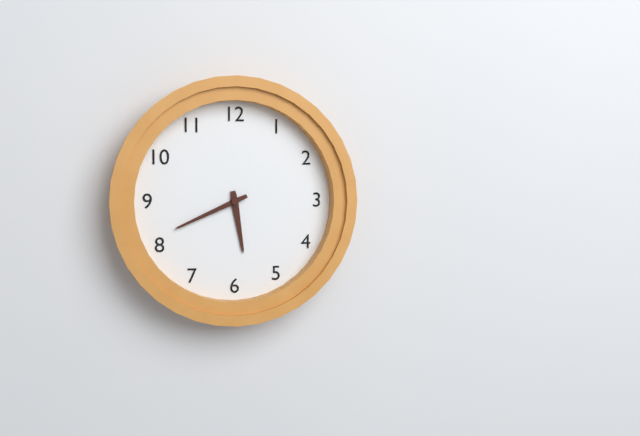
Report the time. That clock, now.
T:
5:41
